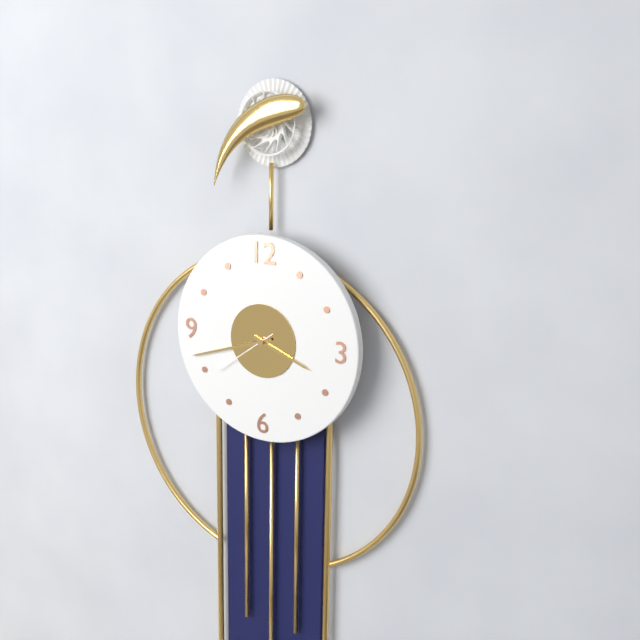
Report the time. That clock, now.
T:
3:42:39
